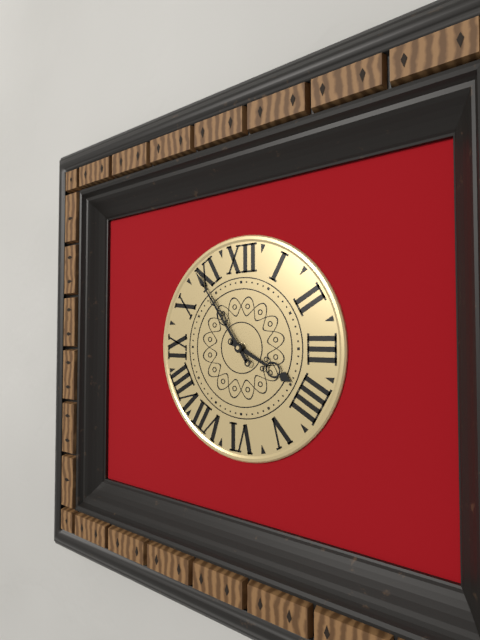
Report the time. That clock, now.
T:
3:54
